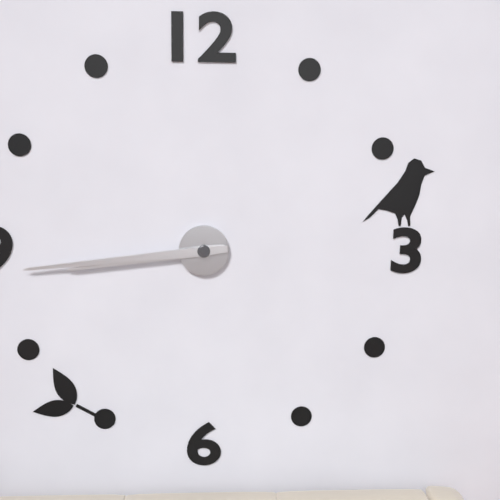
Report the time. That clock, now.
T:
8:44
